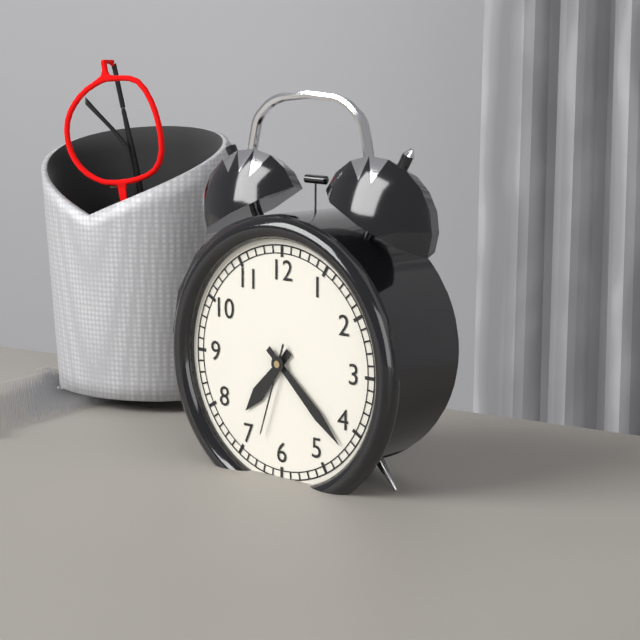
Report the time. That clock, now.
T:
7:22:33
